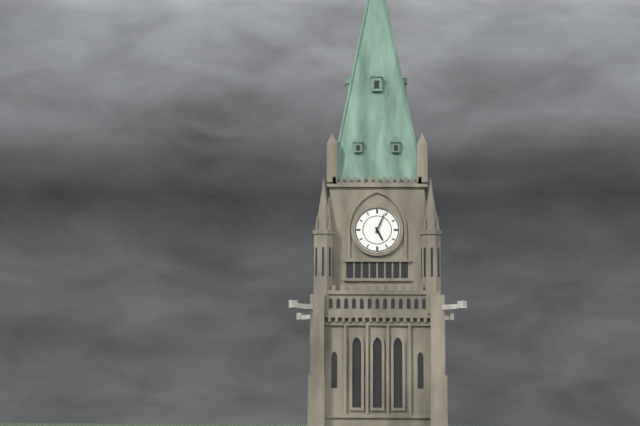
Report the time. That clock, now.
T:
5:04
